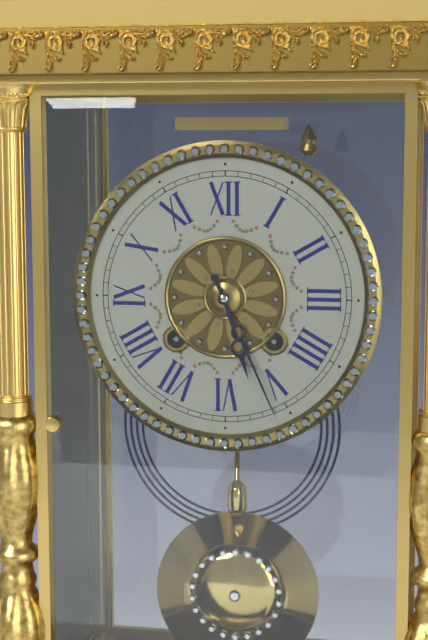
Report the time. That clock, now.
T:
5:26
